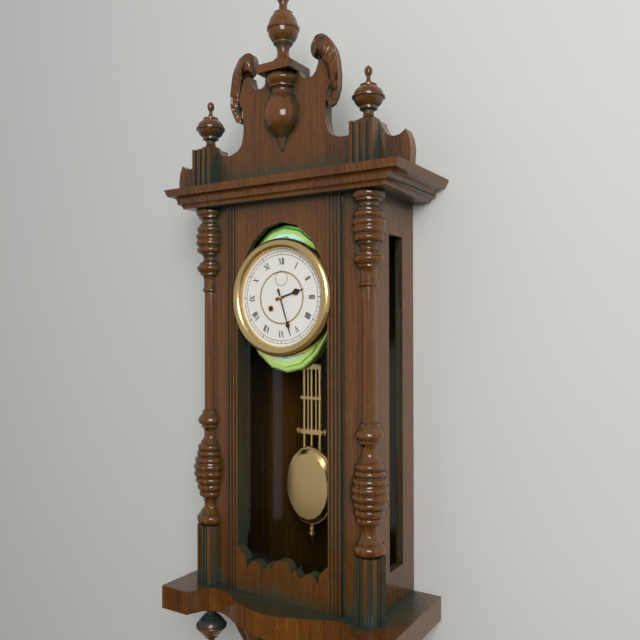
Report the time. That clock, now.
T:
2:27
